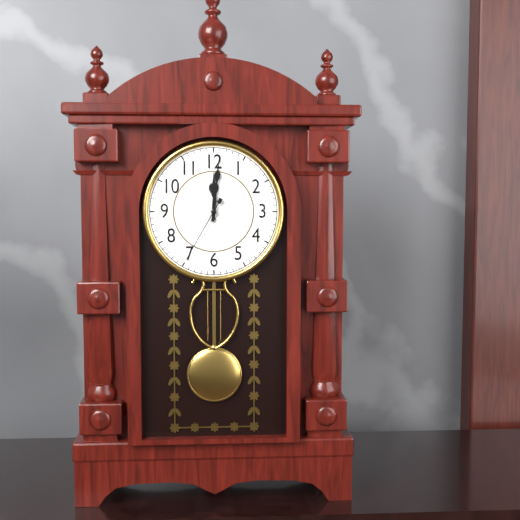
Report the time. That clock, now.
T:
12:01:35
